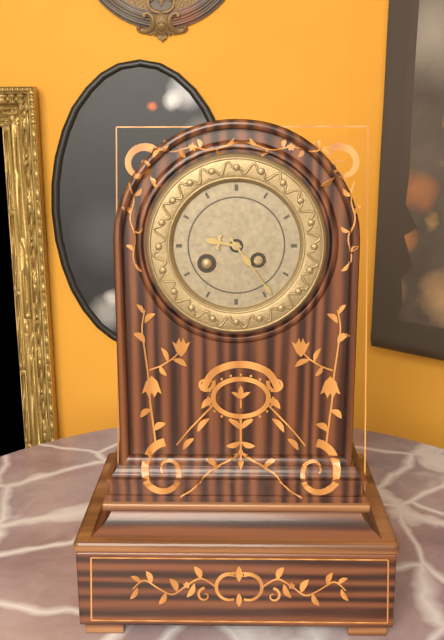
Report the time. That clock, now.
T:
9:24
